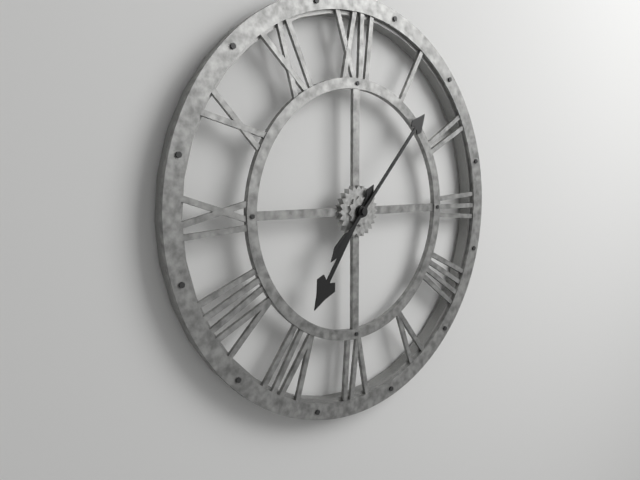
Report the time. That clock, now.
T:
7:07
